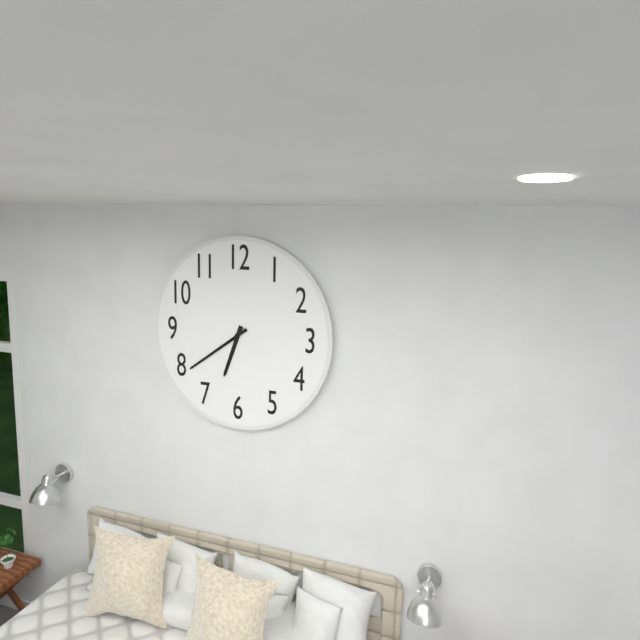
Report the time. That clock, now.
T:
6:39
